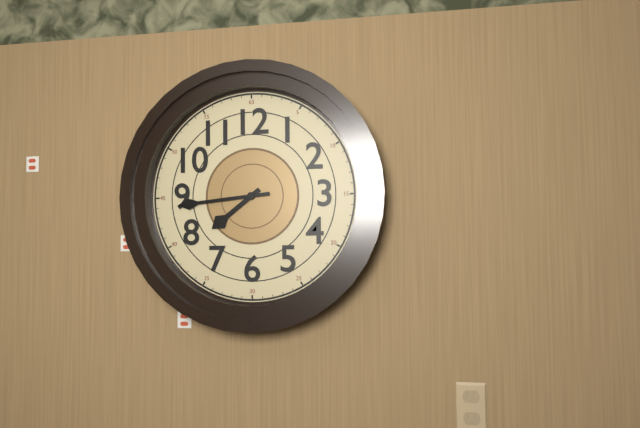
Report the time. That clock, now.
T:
7:44
